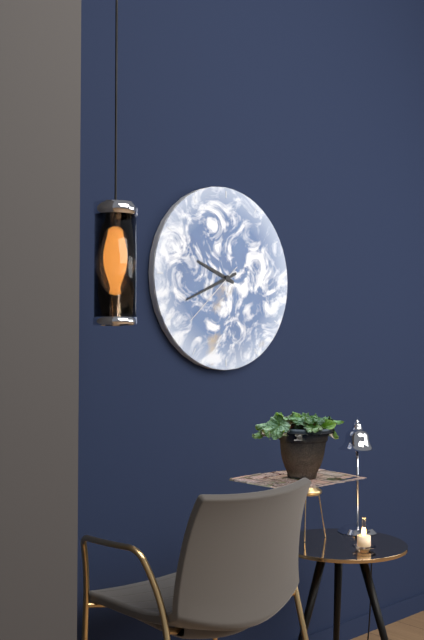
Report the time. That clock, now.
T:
9:41:38
